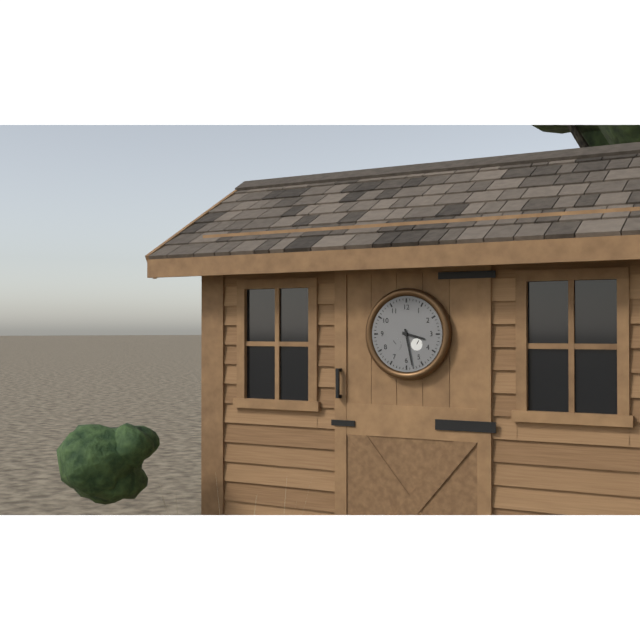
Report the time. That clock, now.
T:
3:28
